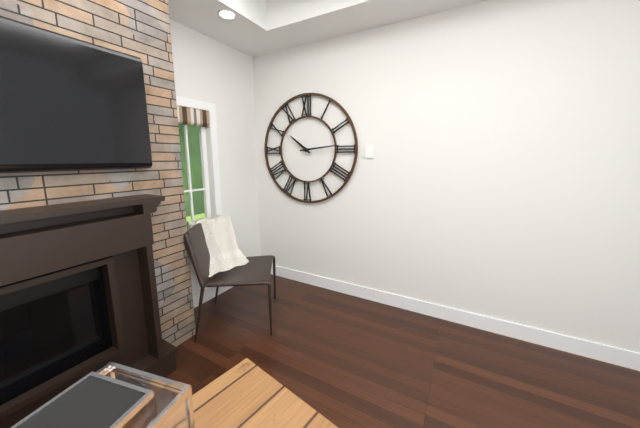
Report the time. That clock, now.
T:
10:14
